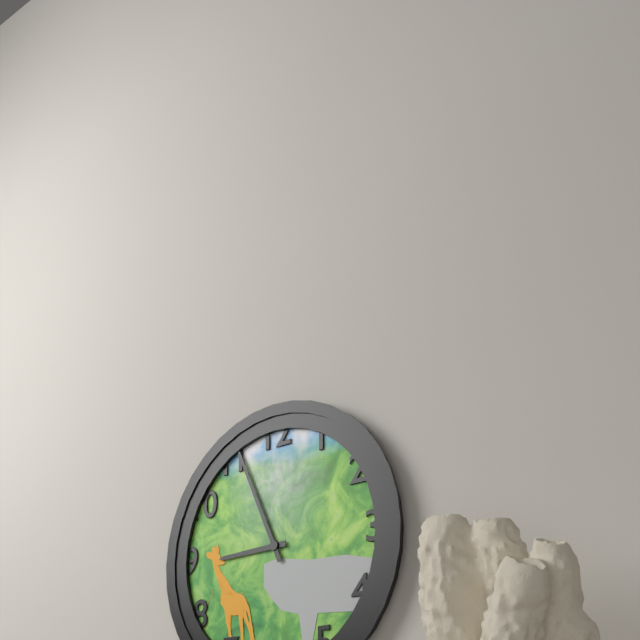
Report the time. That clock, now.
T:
8:56
